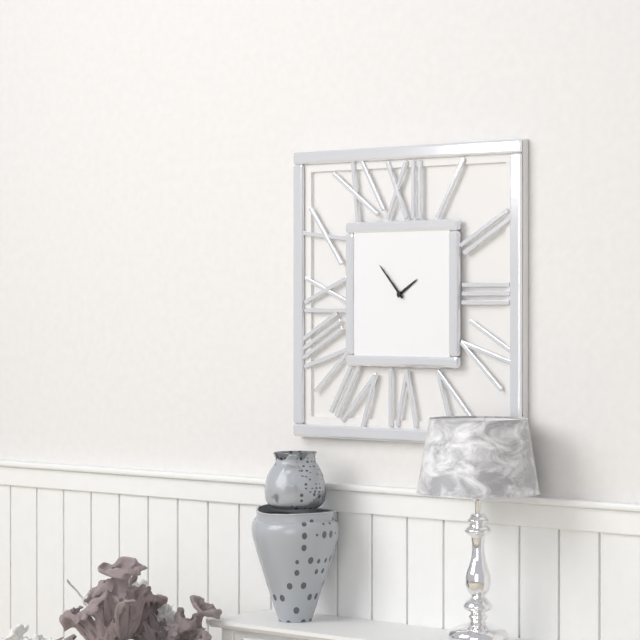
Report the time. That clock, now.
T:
1:53
